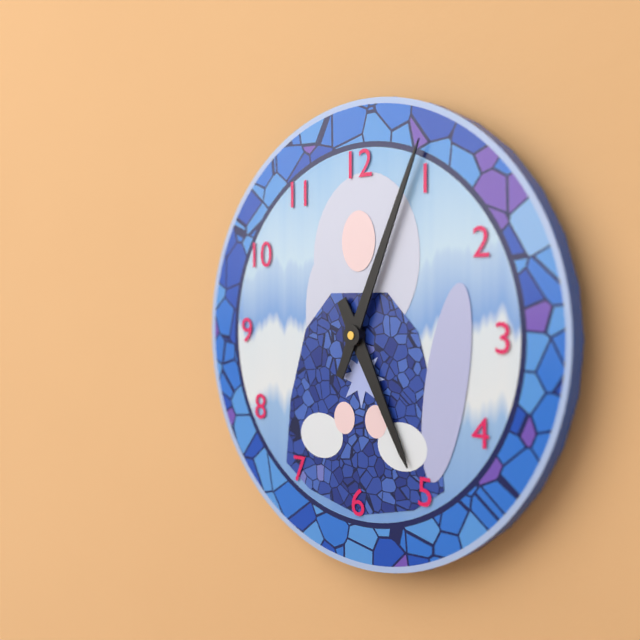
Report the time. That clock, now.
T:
5:04
